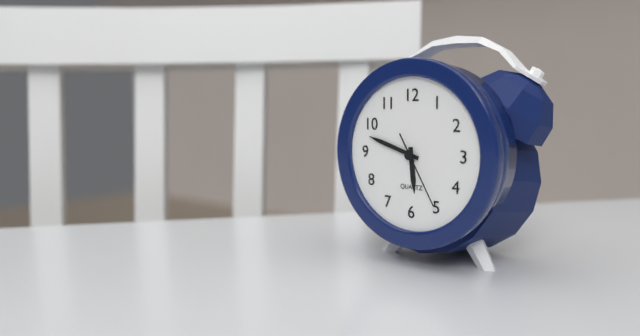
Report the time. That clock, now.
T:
5:48:25
